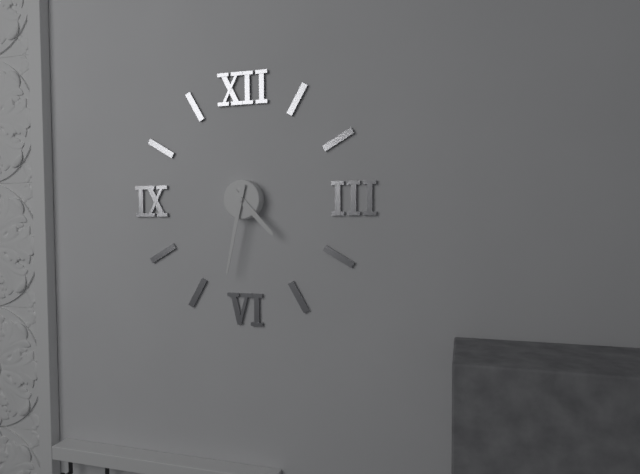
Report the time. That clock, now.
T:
4:32
